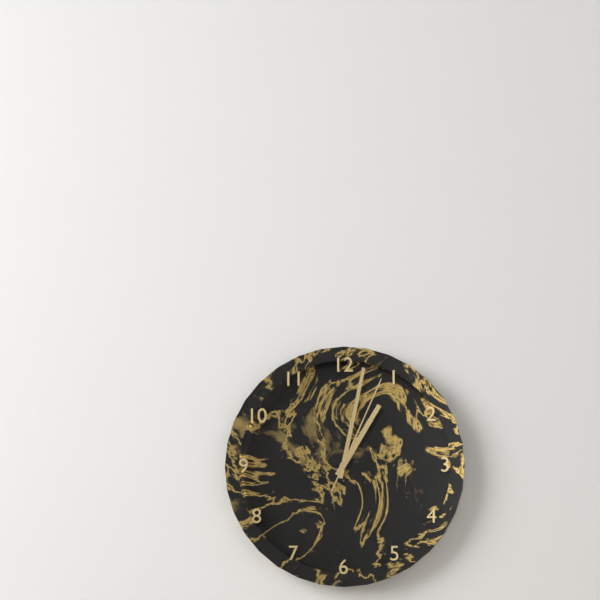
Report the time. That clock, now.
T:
1:02:04
